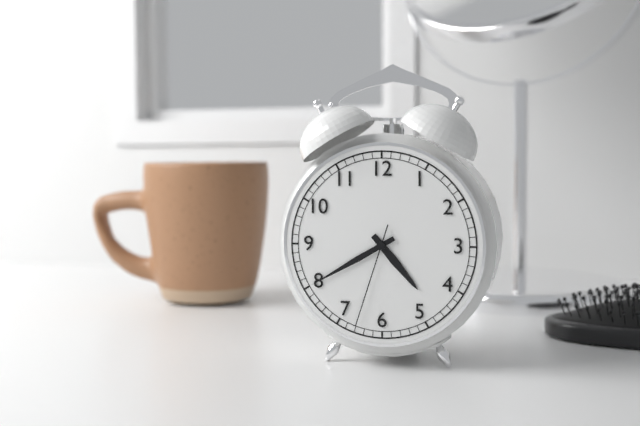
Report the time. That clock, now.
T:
4:40:33
